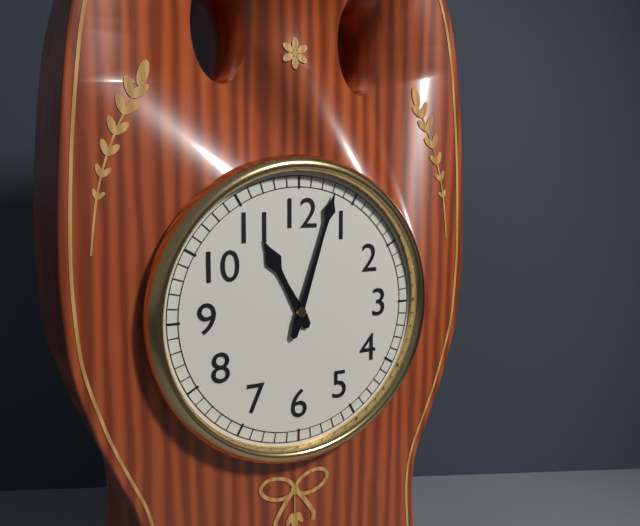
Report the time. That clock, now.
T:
11:03
